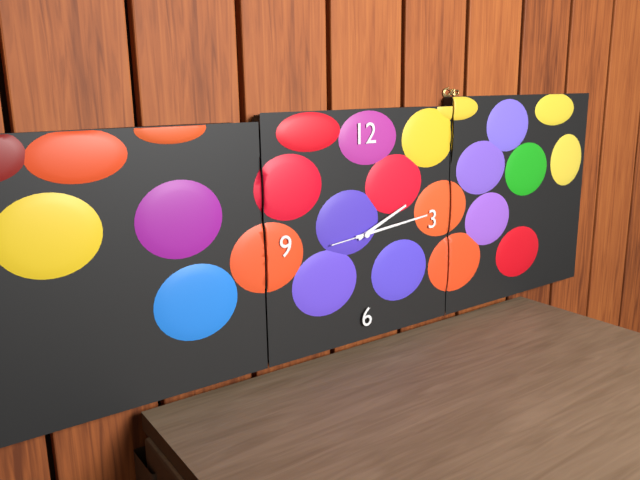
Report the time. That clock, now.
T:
2:14:14
